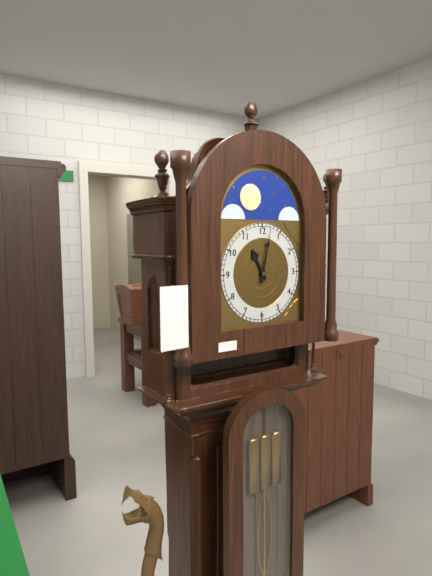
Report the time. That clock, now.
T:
11:02
